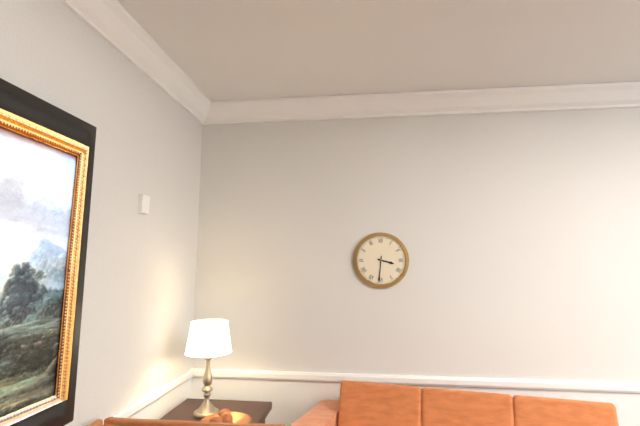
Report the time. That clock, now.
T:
3:31
